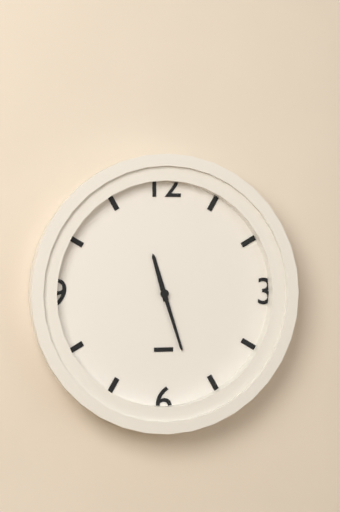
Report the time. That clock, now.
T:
11:27
